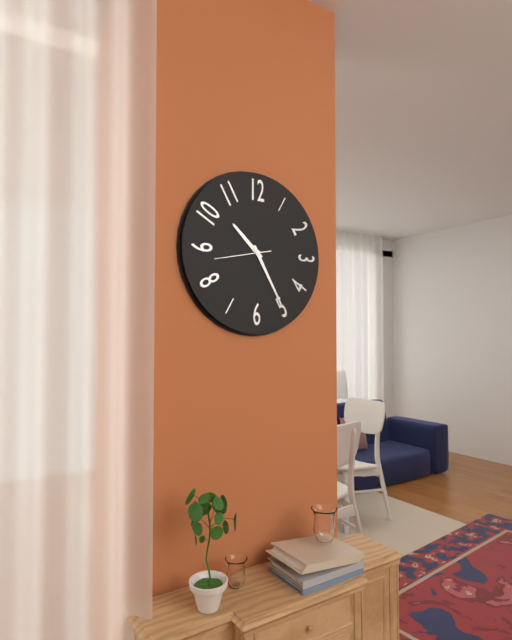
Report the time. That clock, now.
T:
10:25:43
